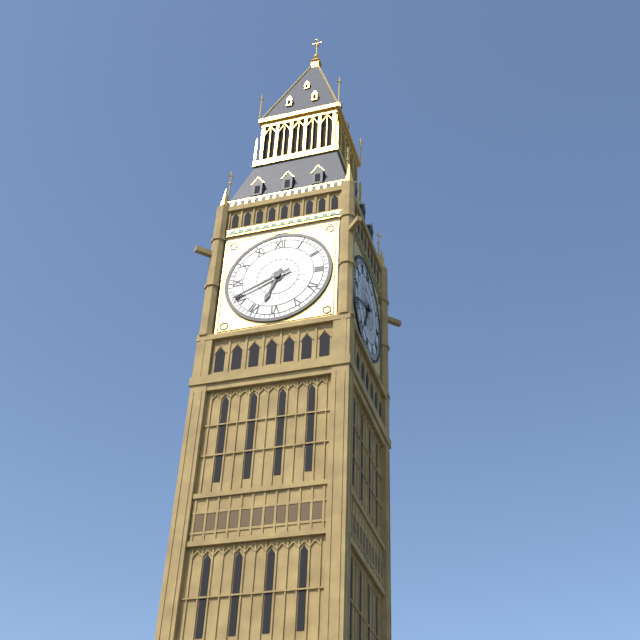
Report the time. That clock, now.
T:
6:41
